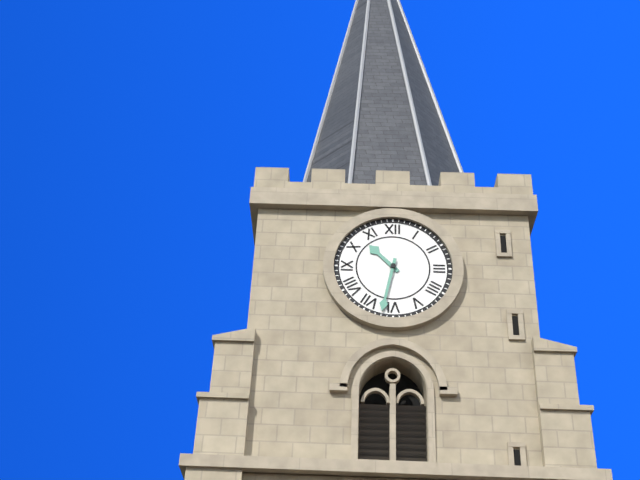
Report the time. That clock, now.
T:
10:32
